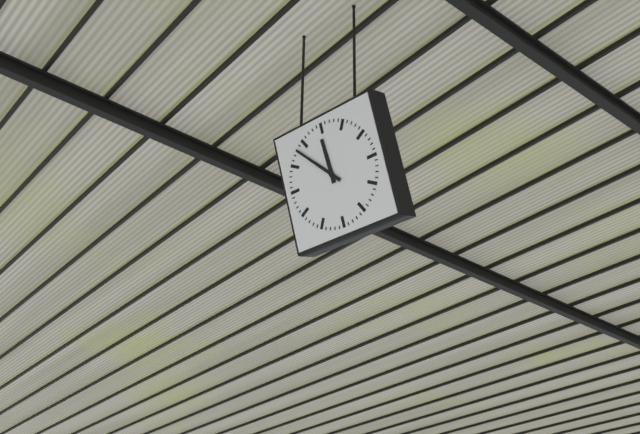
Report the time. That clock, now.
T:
11:53
